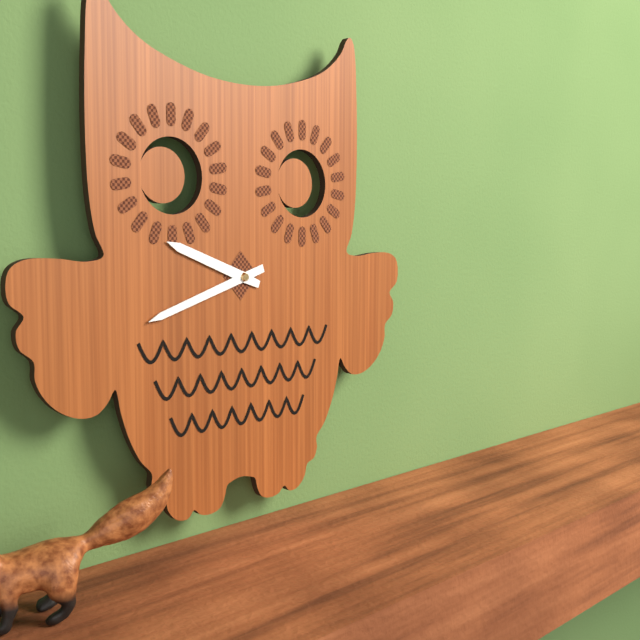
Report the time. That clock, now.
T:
9:42
